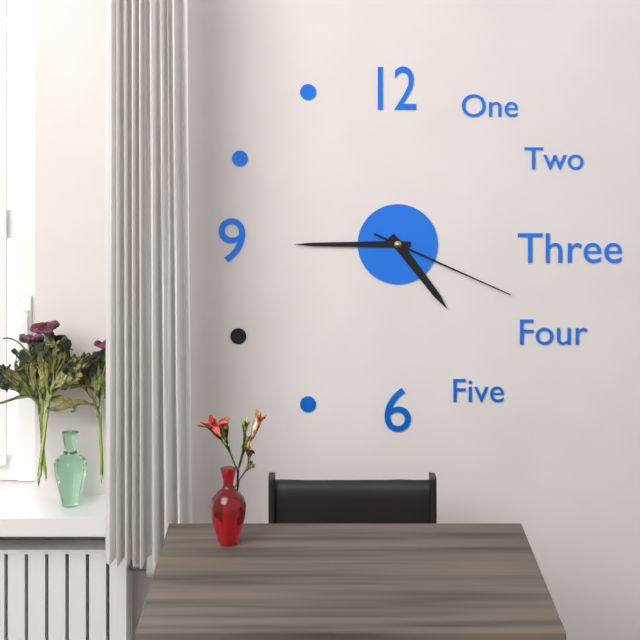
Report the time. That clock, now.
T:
4:45:19
